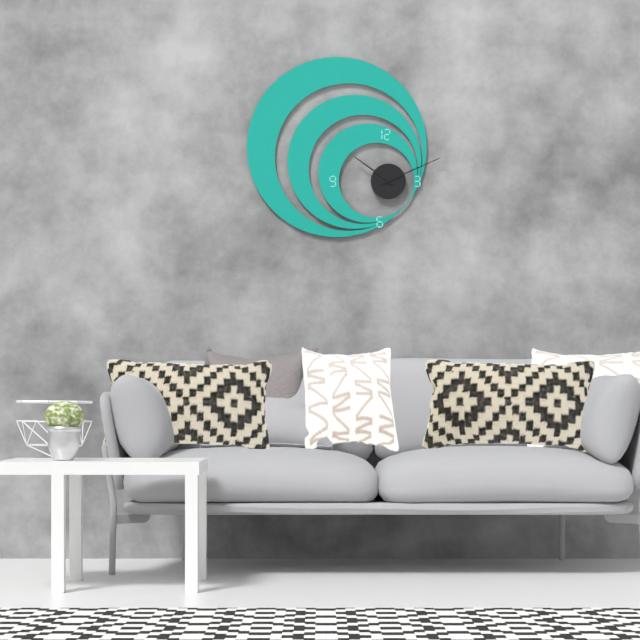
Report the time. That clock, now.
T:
10:11
